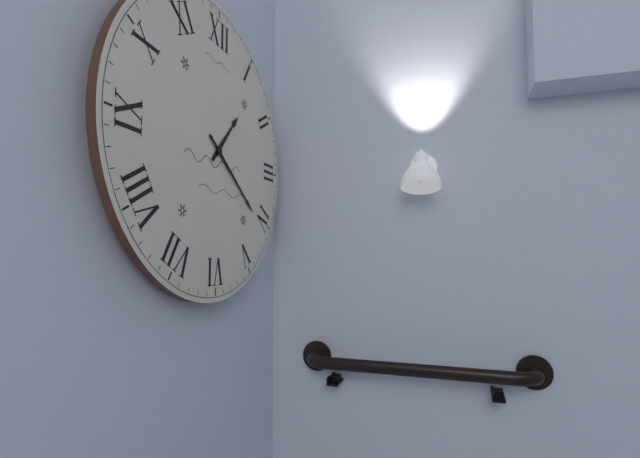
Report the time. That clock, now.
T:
1:21
